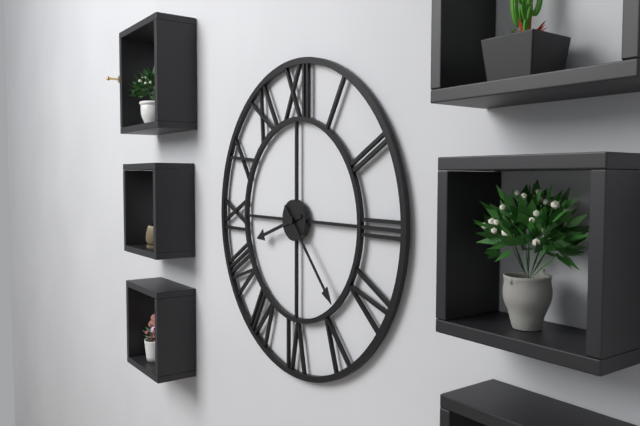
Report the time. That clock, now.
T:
8:23
